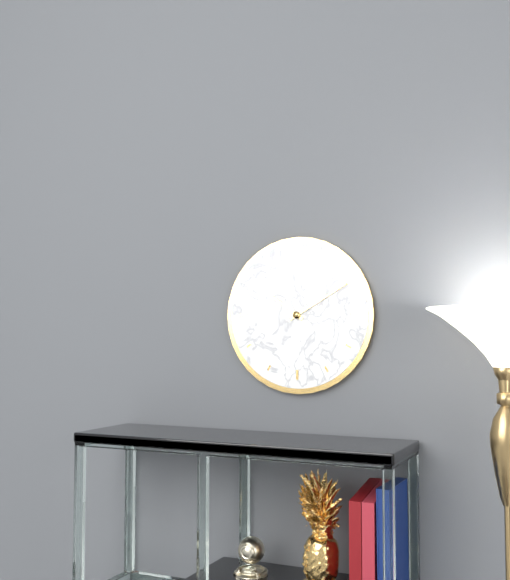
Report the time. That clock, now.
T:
10:10
